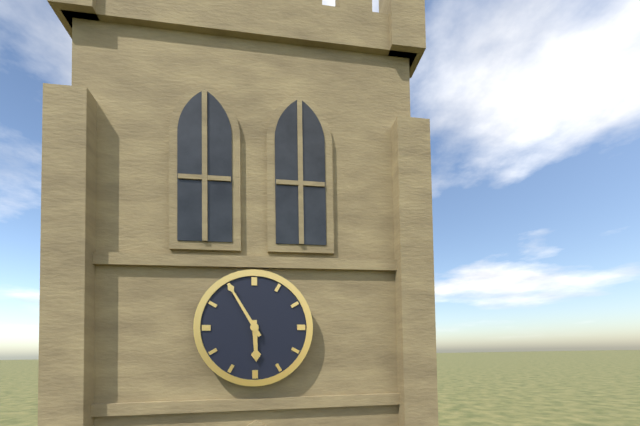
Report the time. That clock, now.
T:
5:55
